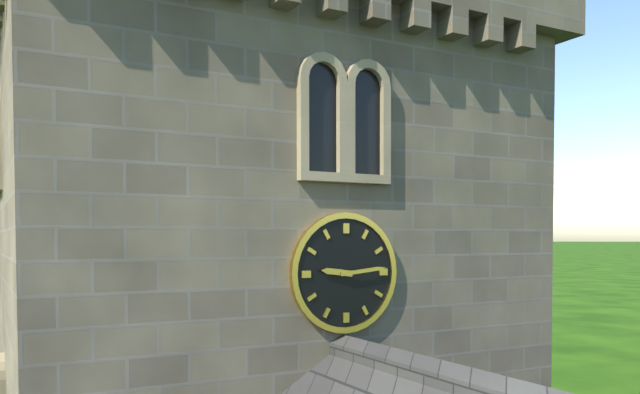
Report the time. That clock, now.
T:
9:14
